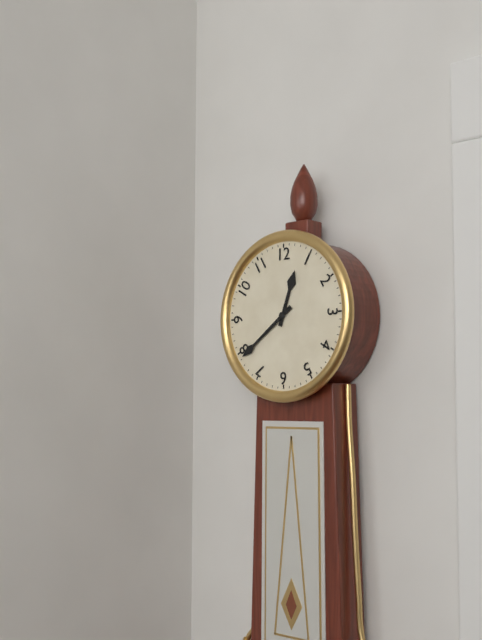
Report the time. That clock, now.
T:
12:39
